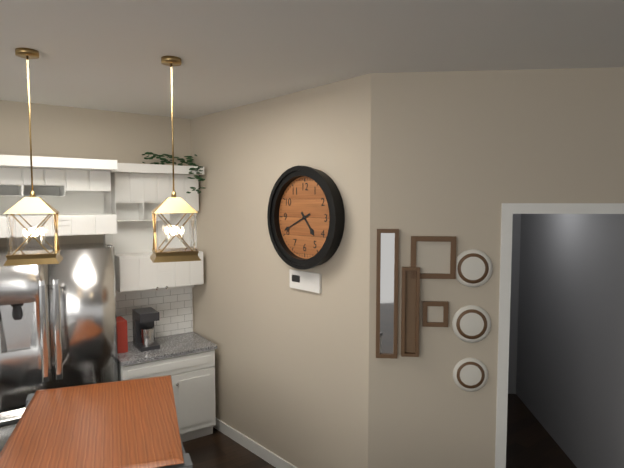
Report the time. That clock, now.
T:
4:41
